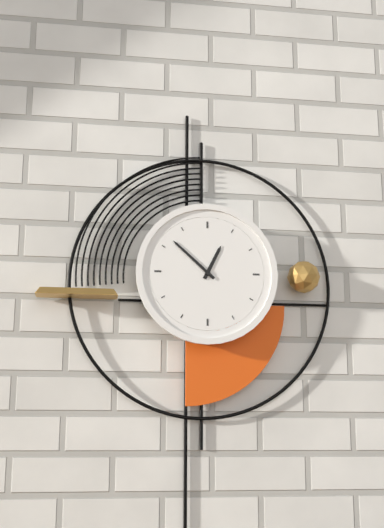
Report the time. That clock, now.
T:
12:52
